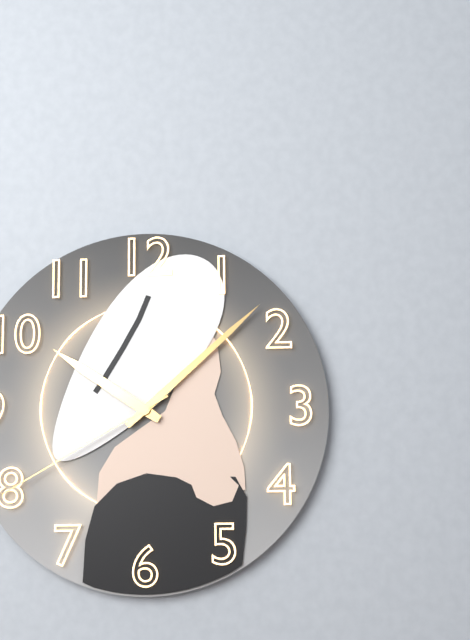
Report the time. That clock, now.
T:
10:08:40
